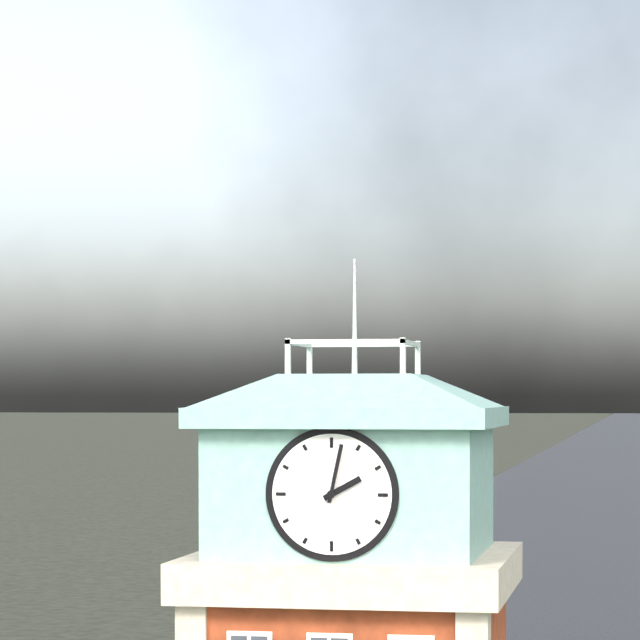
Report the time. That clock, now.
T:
2:02
